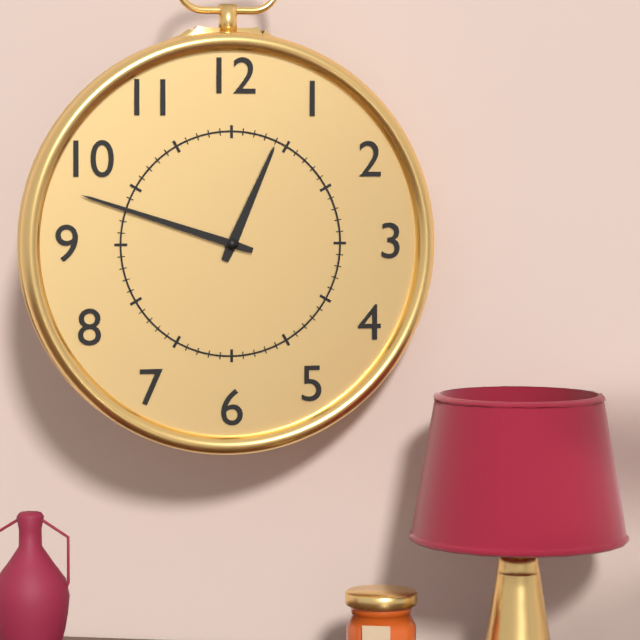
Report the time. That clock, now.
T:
12:48
